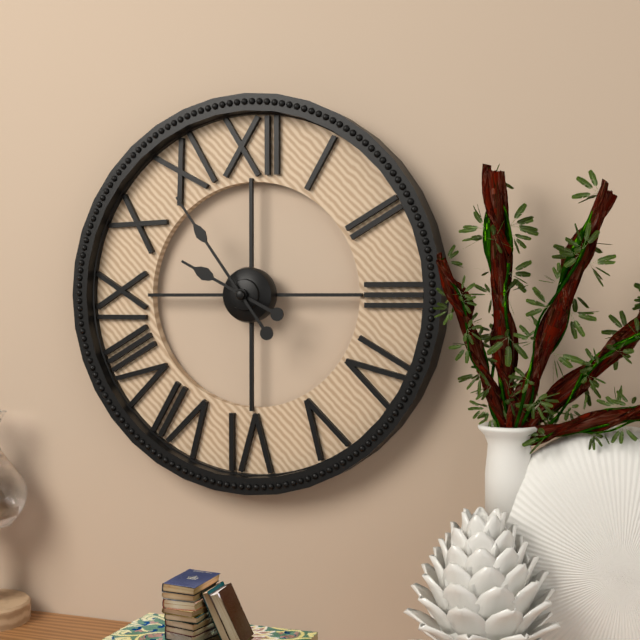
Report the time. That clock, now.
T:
9:54
